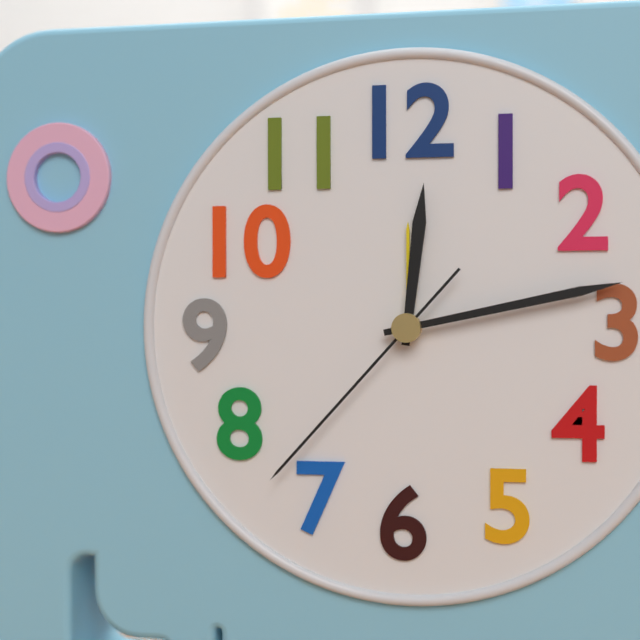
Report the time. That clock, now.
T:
12:13:37
